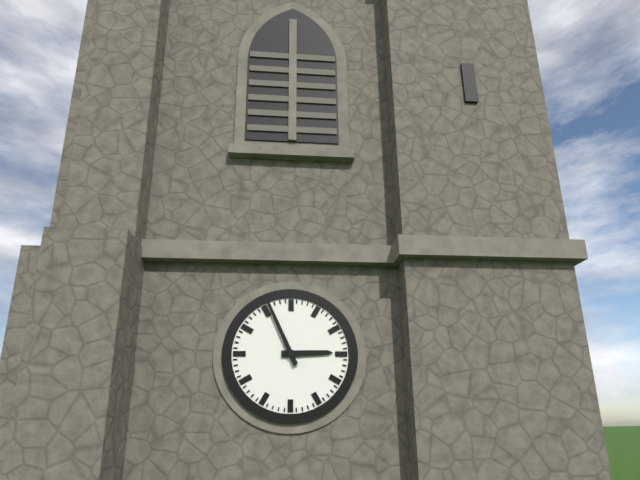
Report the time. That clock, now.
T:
2:56
